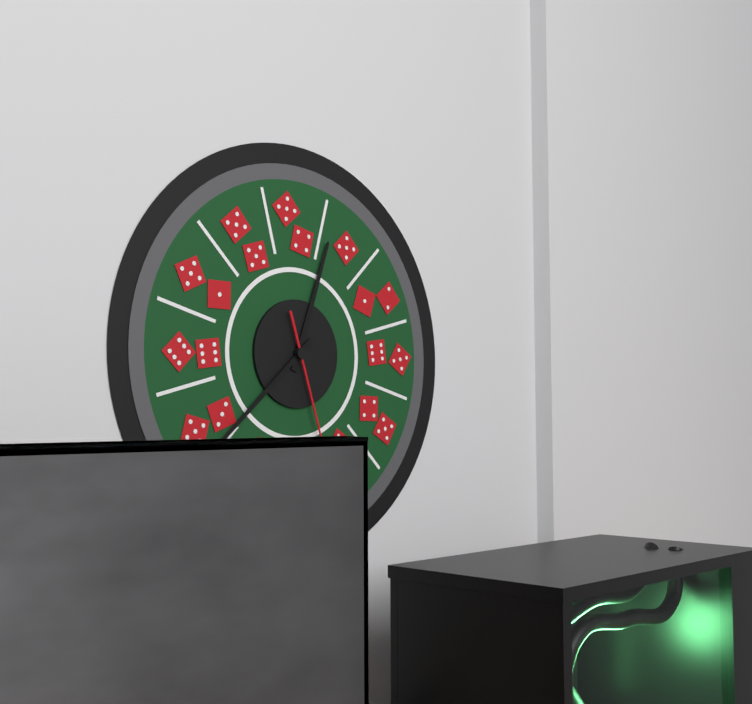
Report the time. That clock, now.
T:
12:38:27
